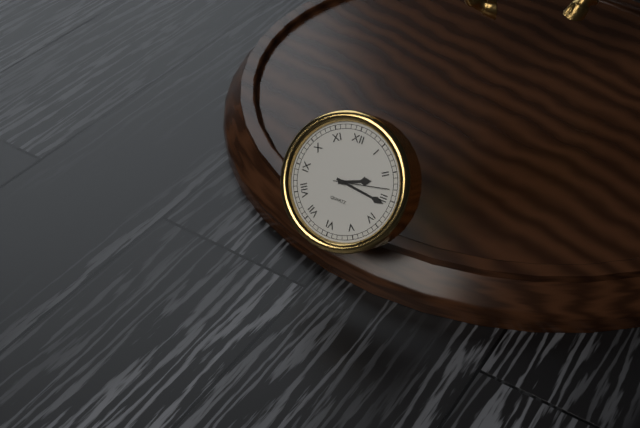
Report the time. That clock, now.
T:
2:16:13
